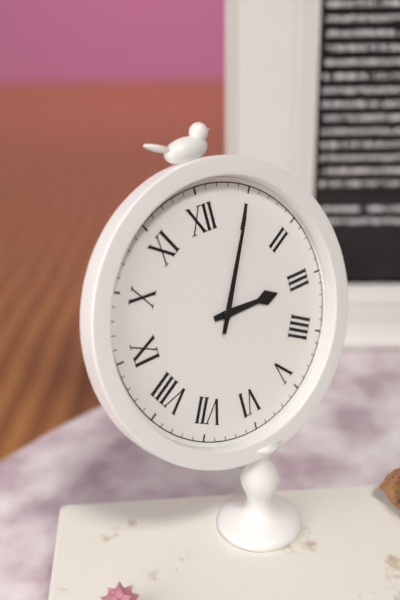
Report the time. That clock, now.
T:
3:05
